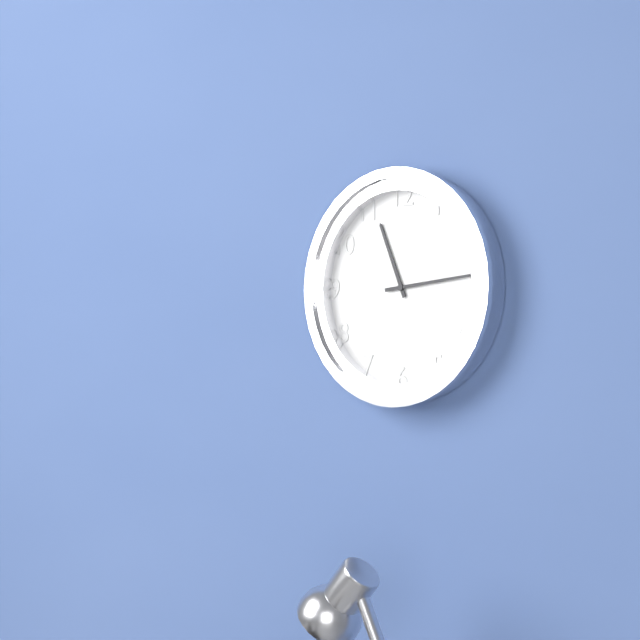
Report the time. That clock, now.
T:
11:14
